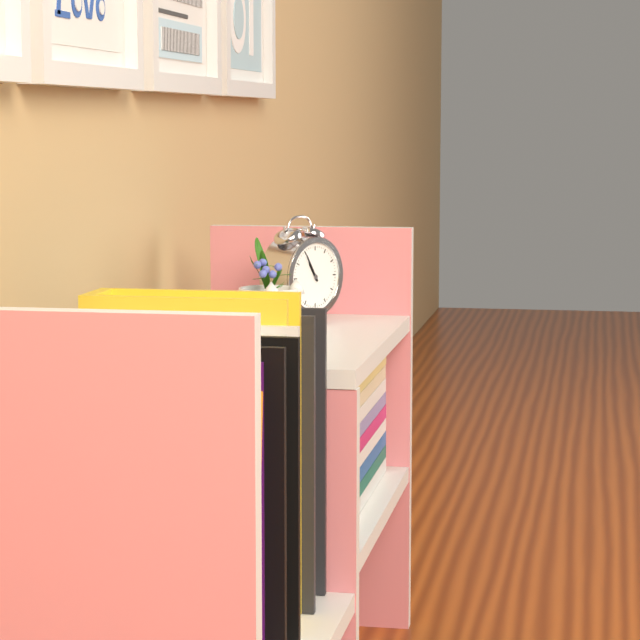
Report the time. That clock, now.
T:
10:55
